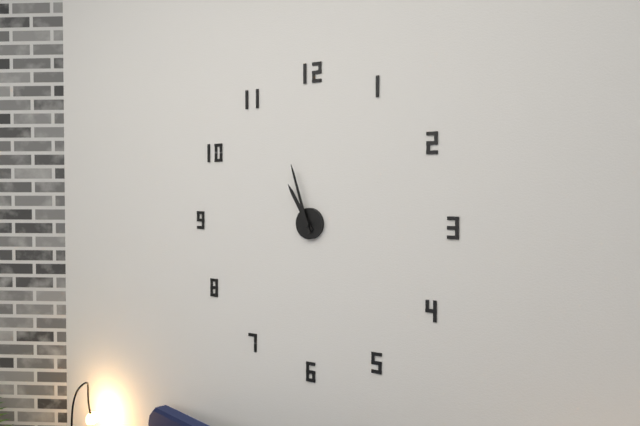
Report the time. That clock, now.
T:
10:57
